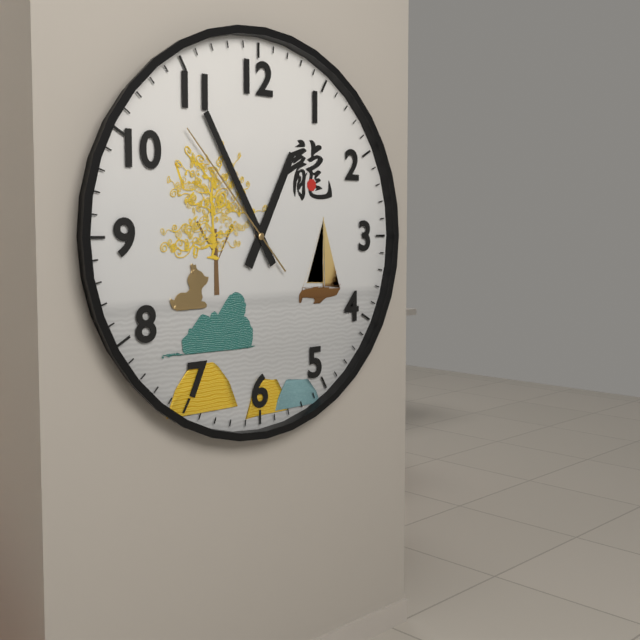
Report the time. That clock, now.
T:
12:55:53
